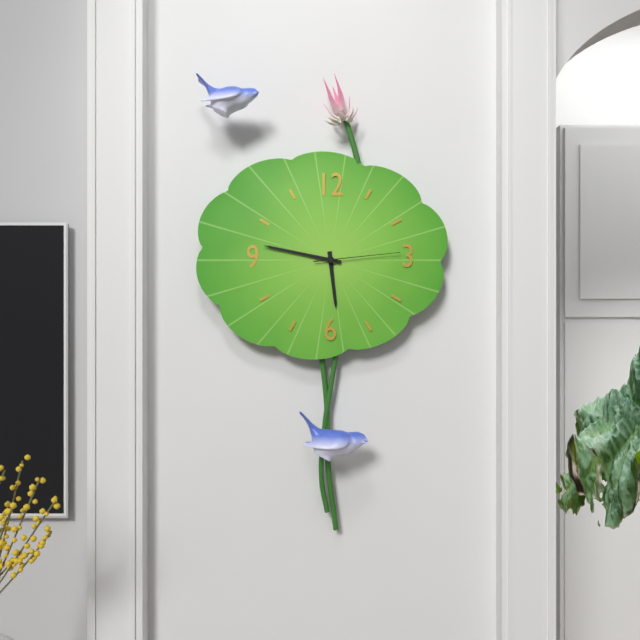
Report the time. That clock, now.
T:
5:47:14
